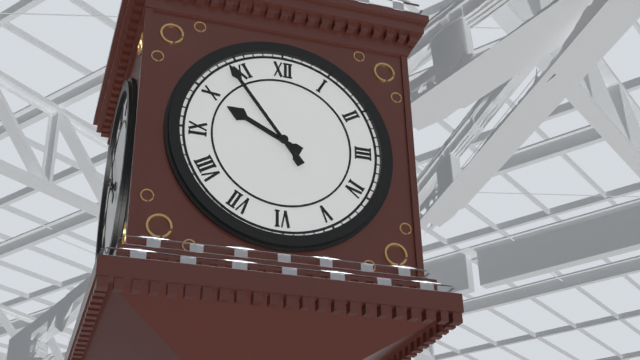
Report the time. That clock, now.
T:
9:54
